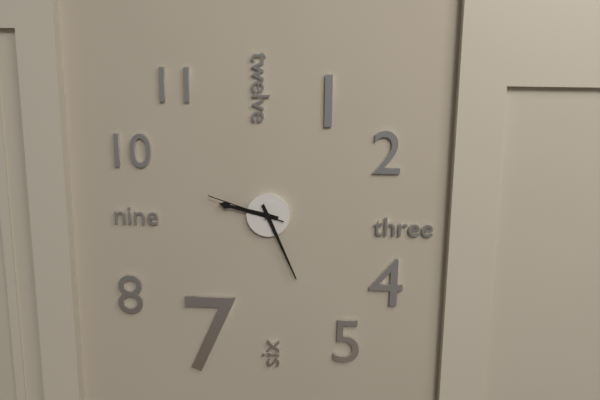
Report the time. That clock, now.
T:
9:26:48
